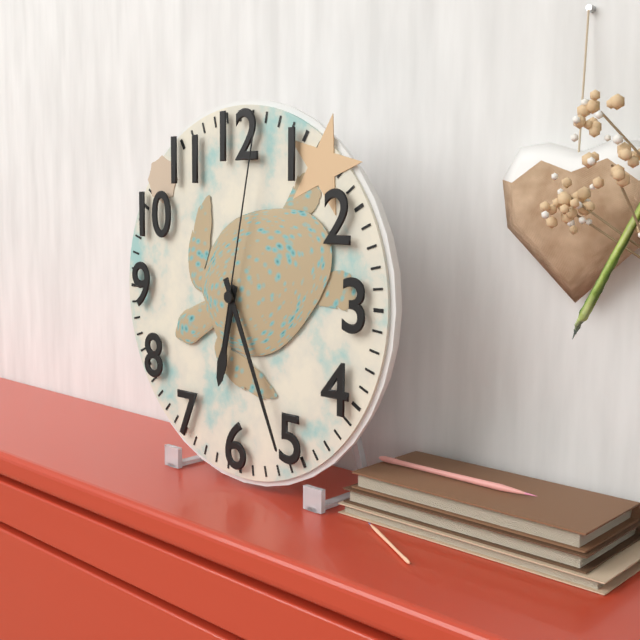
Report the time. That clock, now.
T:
6:26:02
